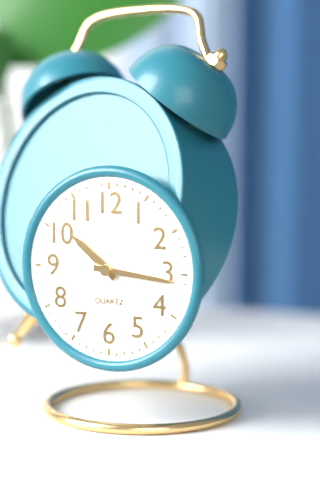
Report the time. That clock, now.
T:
10:16
